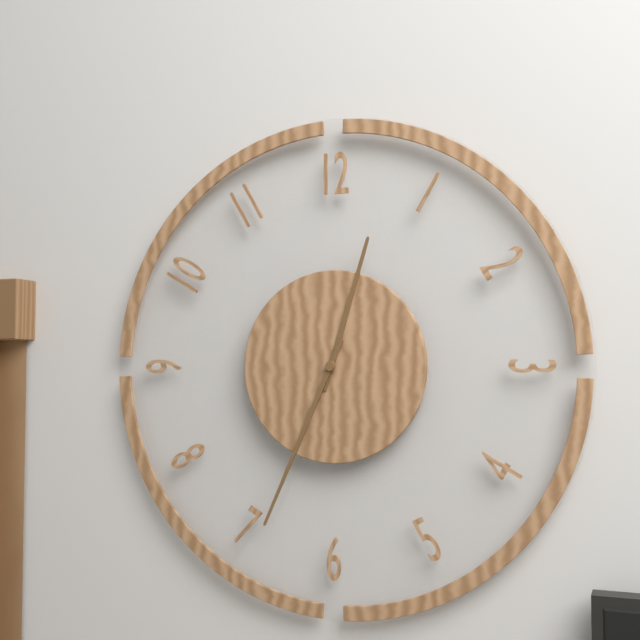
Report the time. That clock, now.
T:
12:34
